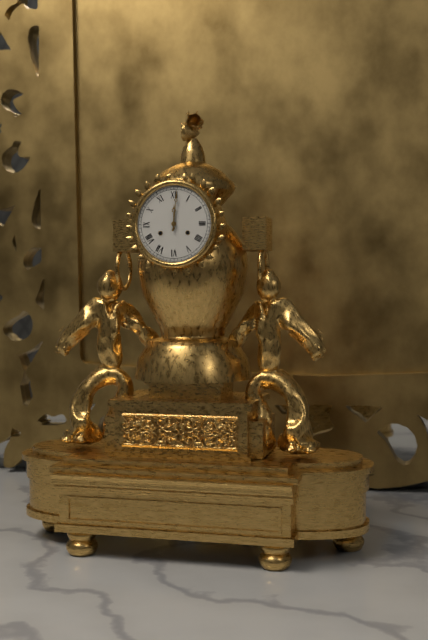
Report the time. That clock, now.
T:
12:01
